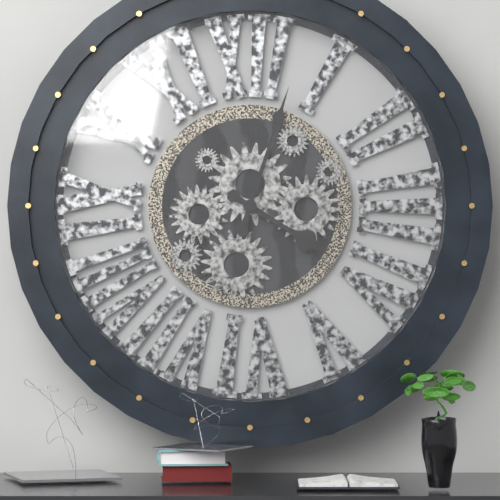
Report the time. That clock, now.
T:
4:03
